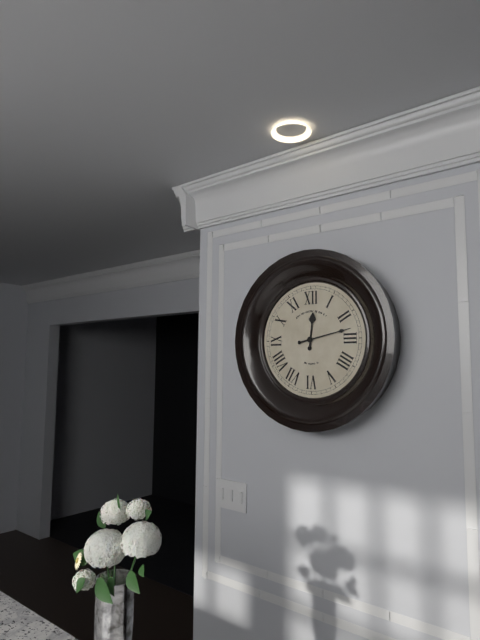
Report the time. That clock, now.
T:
12:13
